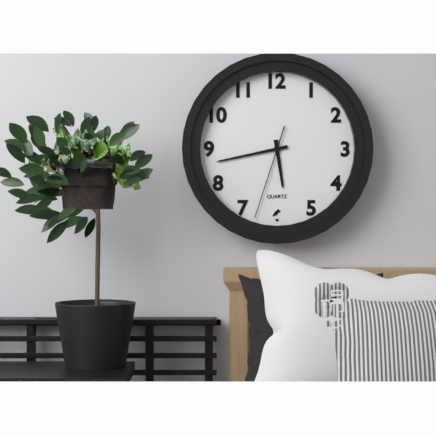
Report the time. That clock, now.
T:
5:43:33
